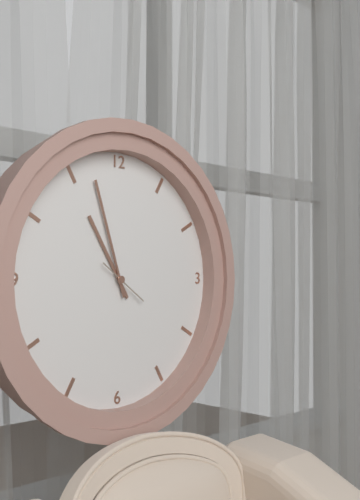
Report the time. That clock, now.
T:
10:57
